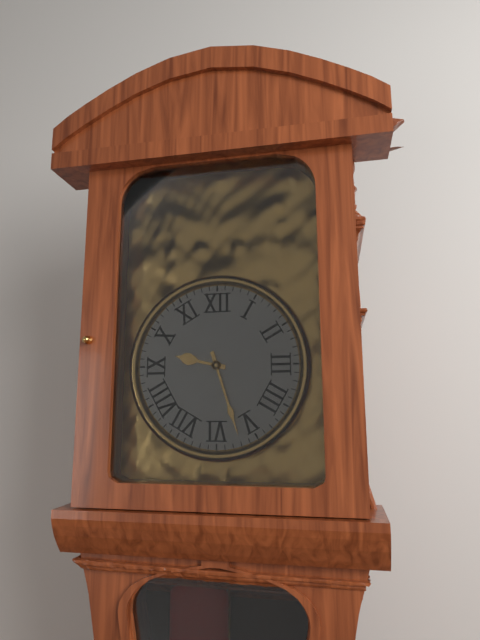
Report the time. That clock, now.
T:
9:27
